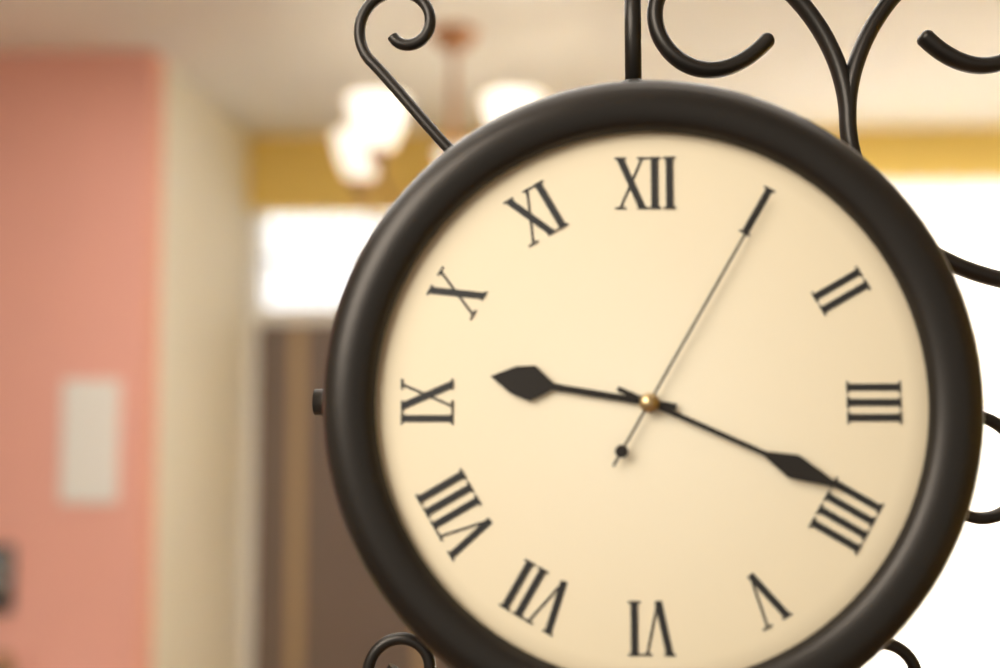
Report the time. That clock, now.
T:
9:19:05
